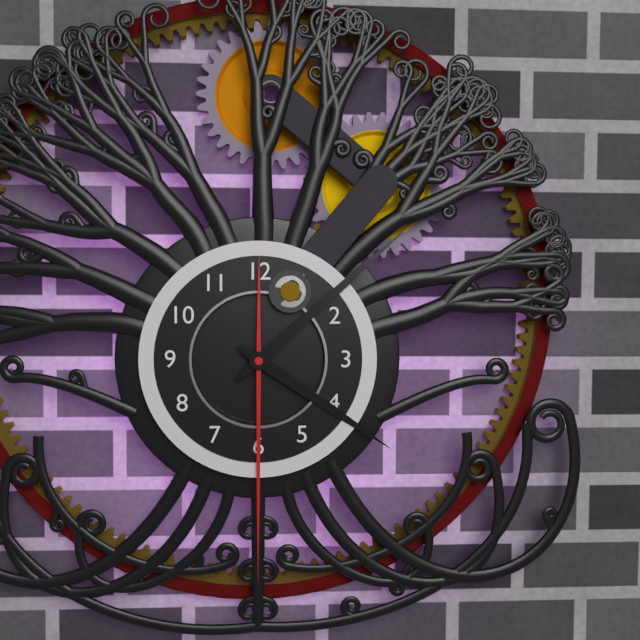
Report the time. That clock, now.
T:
4:08:30
